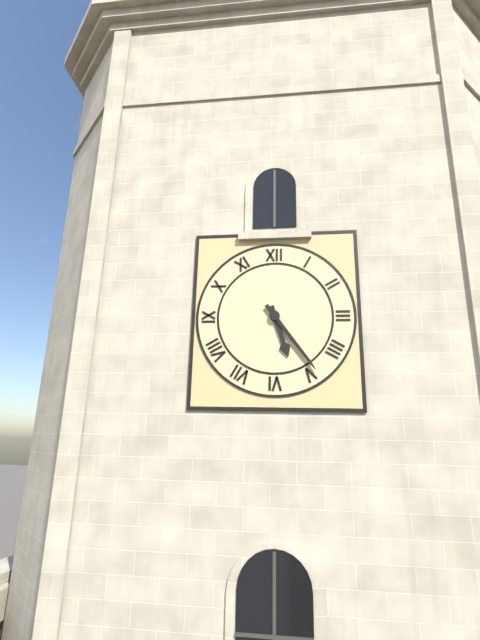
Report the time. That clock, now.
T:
5:24
